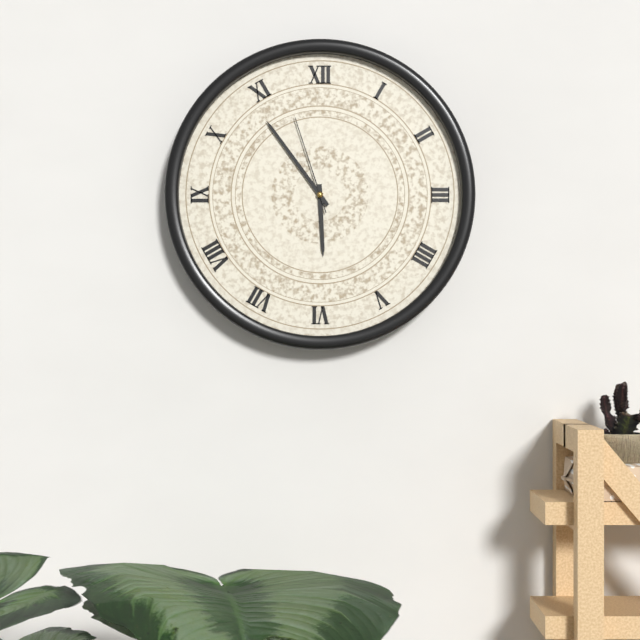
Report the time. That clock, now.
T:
5:54:57
